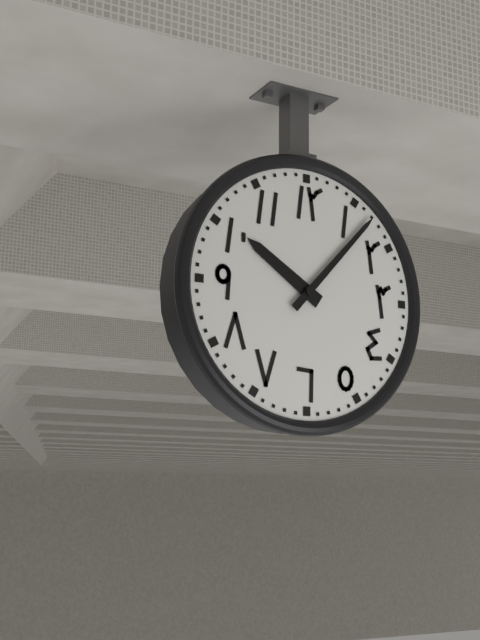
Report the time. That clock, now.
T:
10:07
